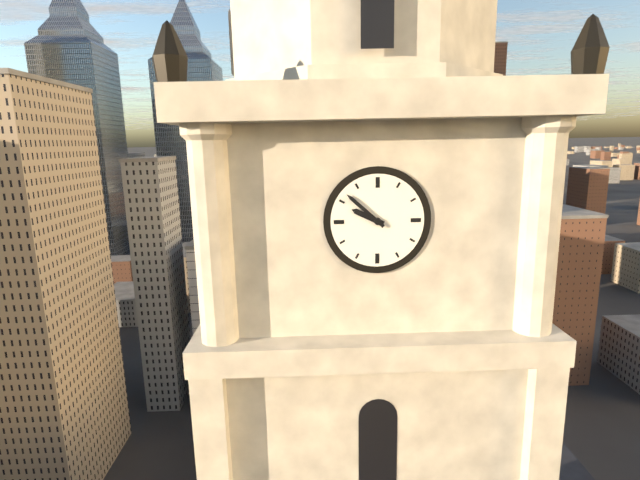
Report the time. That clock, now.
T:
9:52
